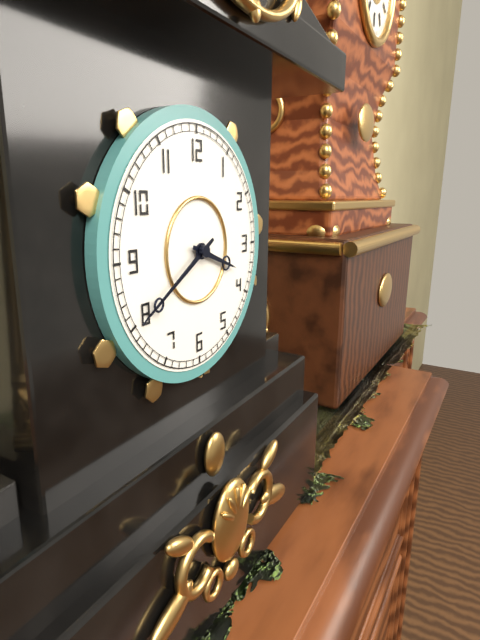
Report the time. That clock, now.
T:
3:40
